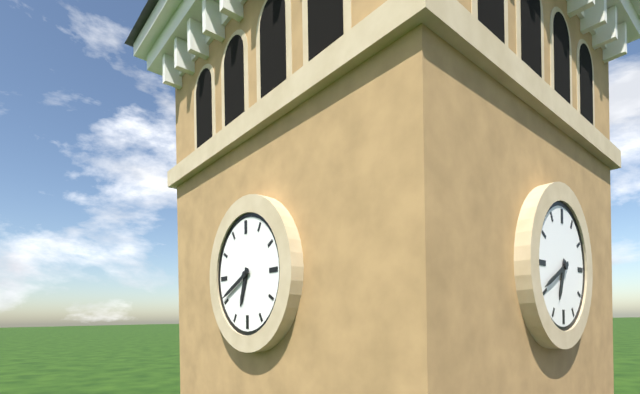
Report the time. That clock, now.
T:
6:41
